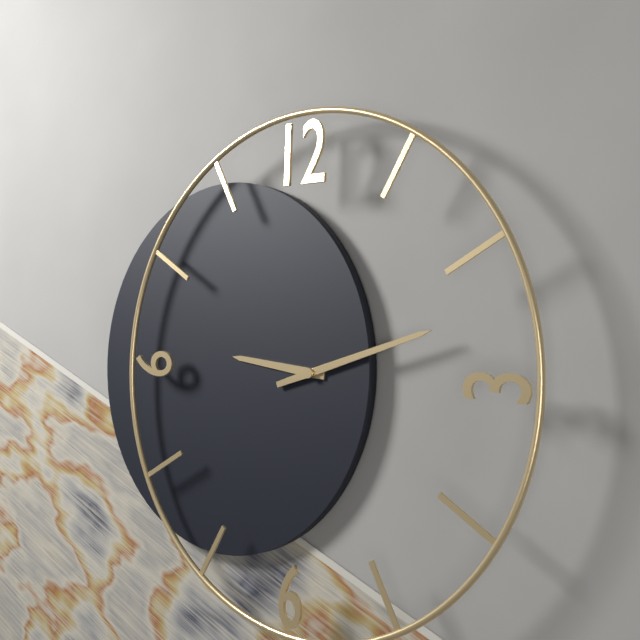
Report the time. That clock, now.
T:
9:12
